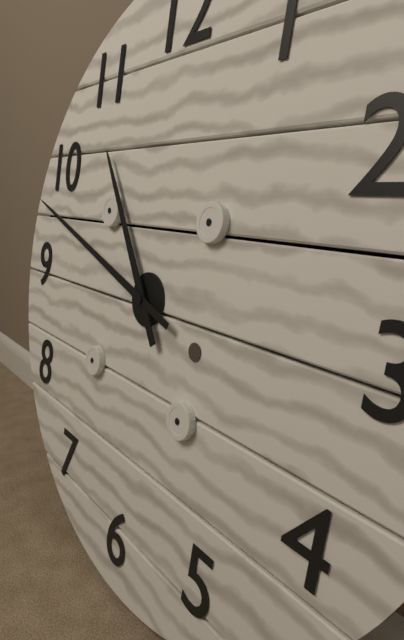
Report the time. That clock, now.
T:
10:48
